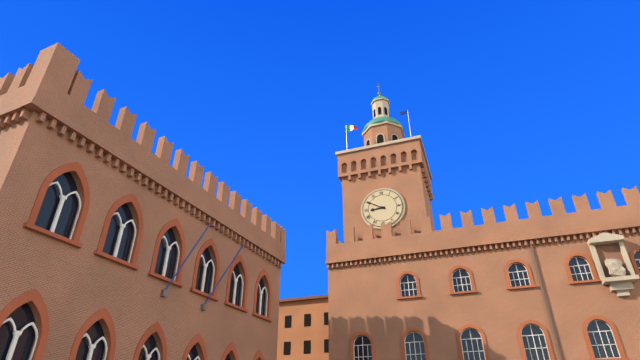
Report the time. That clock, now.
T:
8:50
